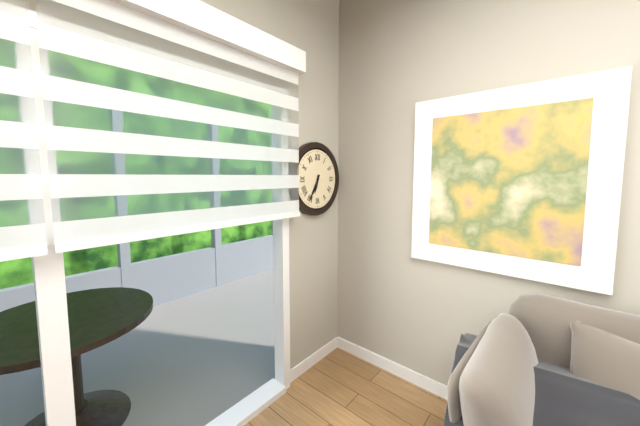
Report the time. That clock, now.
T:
6:35
